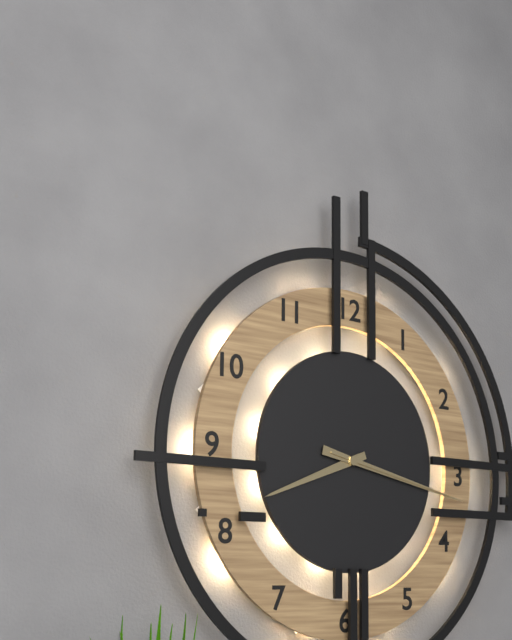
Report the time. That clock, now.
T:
8:17:17
